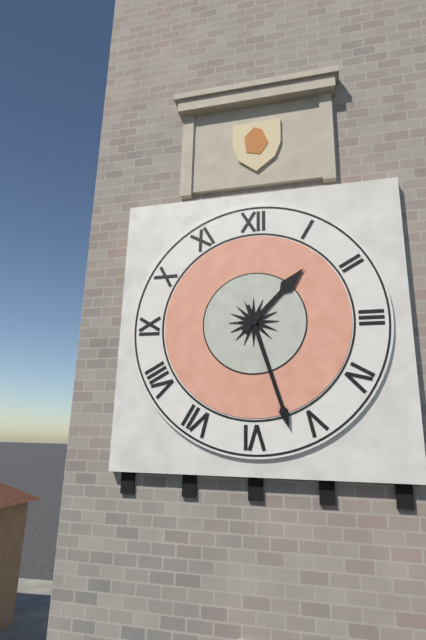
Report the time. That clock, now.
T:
1:27
